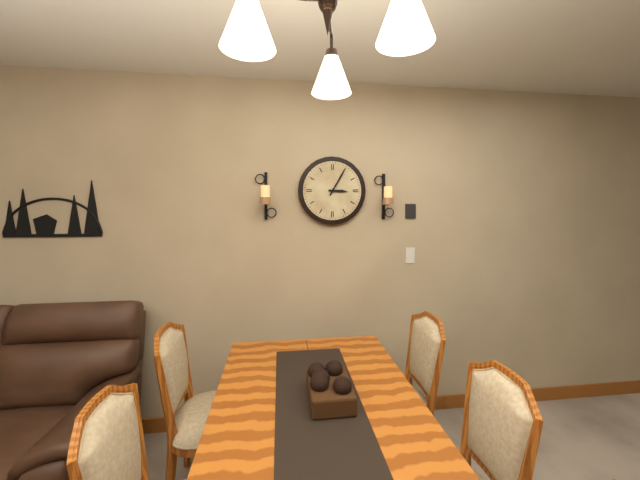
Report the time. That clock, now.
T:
3:05
